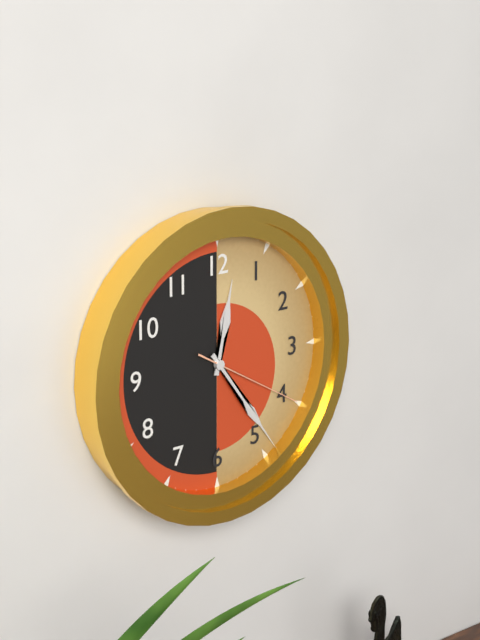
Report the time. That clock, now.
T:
12:24:20
